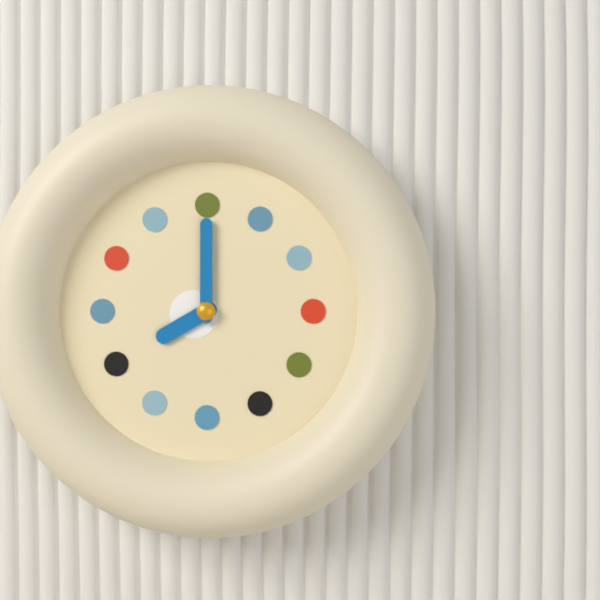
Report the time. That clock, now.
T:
8:00
